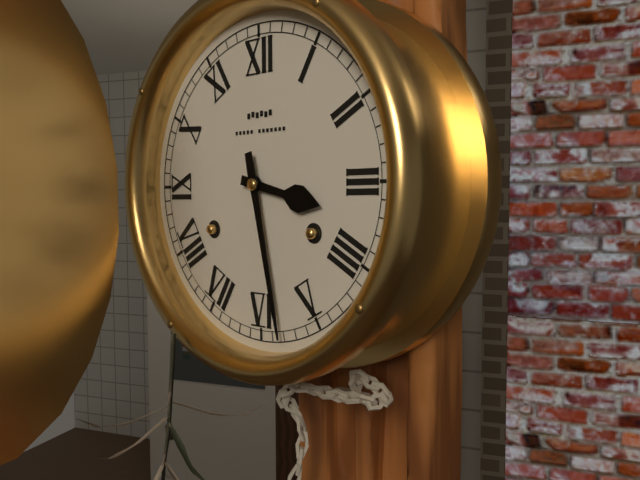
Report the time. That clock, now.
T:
3:28
